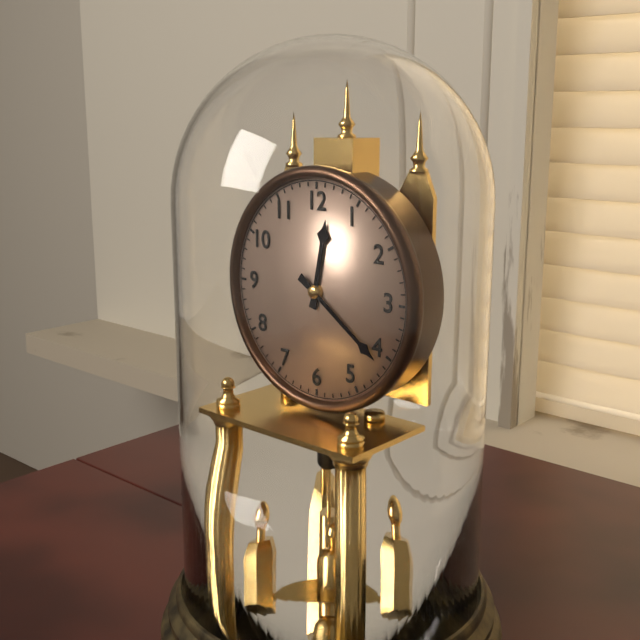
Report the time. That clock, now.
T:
12:21
